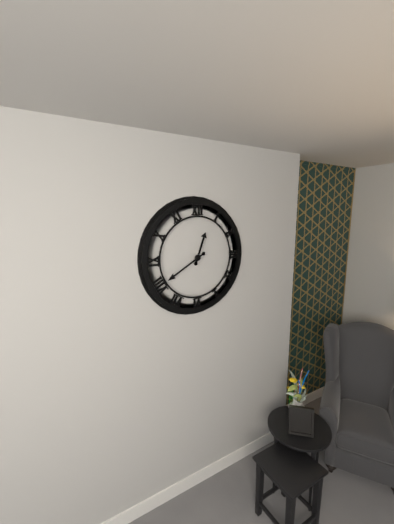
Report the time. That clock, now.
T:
12:40
